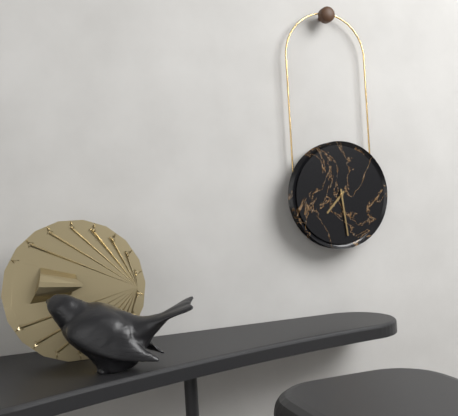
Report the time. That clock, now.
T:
7:29
